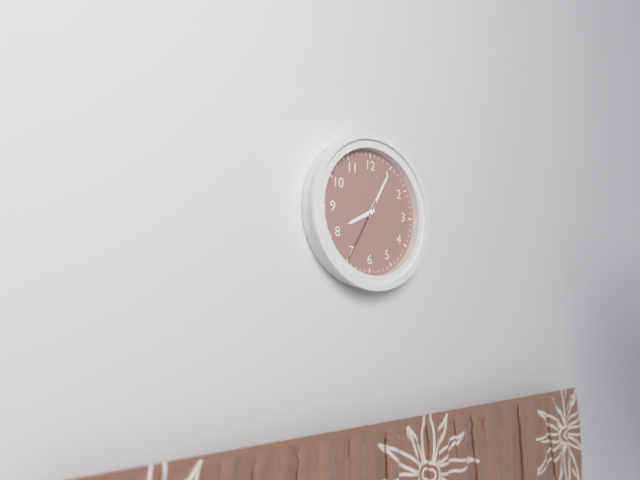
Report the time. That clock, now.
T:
8:05:35
